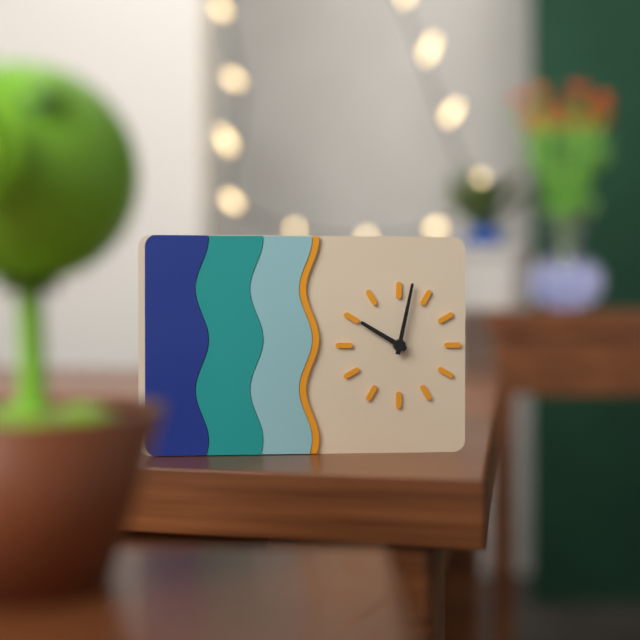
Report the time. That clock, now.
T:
10:02
